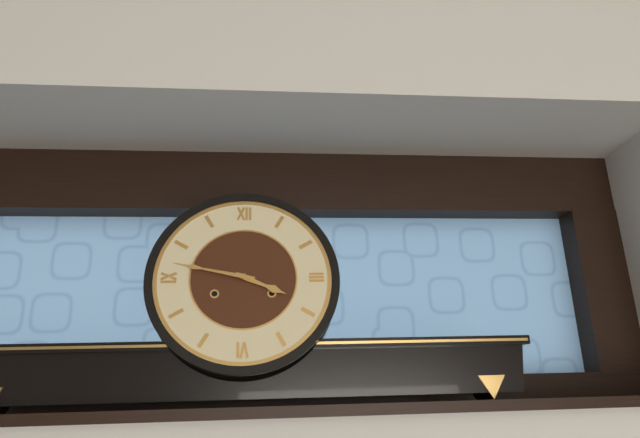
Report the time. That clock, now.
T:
3:47
